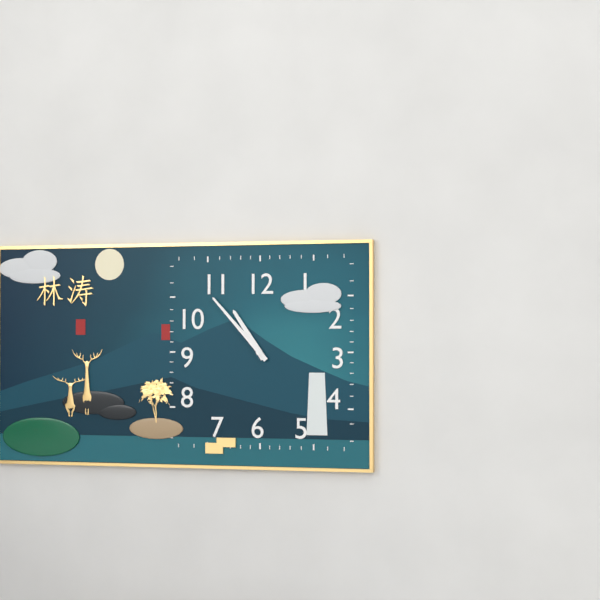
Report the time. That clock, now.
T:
10:53
